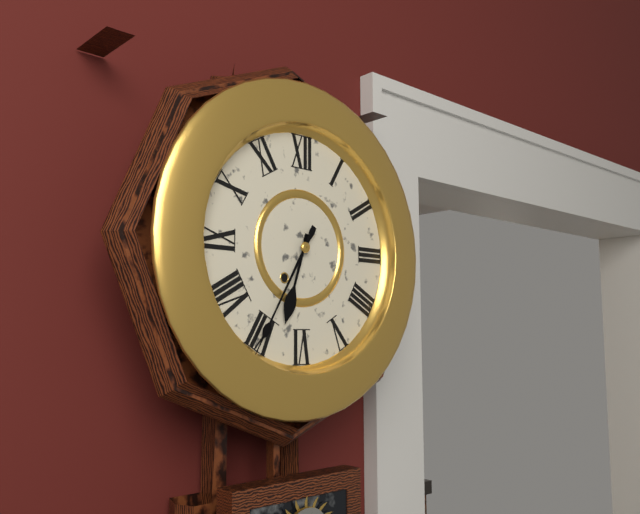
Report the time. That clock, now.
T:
6:35
